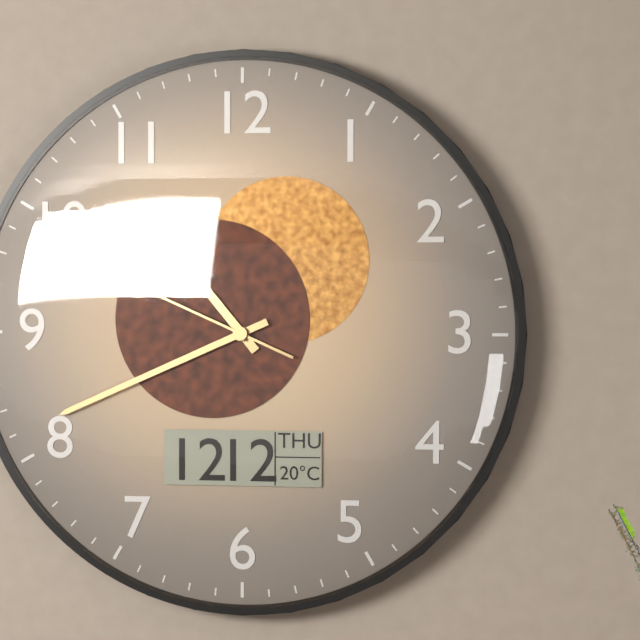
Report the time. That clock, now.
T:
10:41:49
